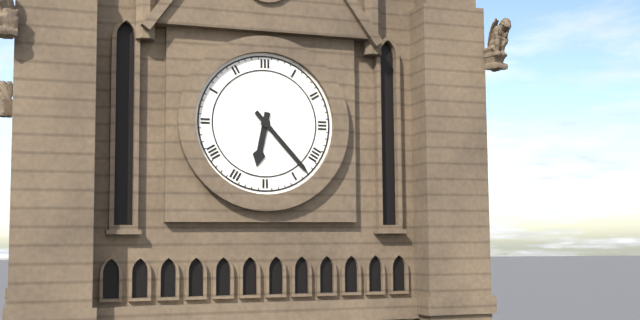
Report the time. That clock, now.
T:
6:23
